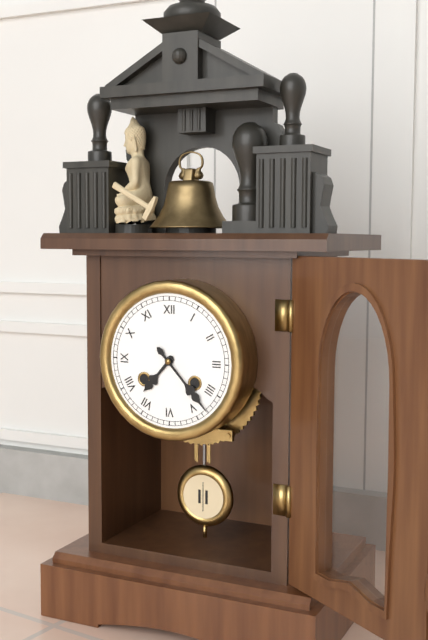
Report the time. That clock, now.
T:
7:23
